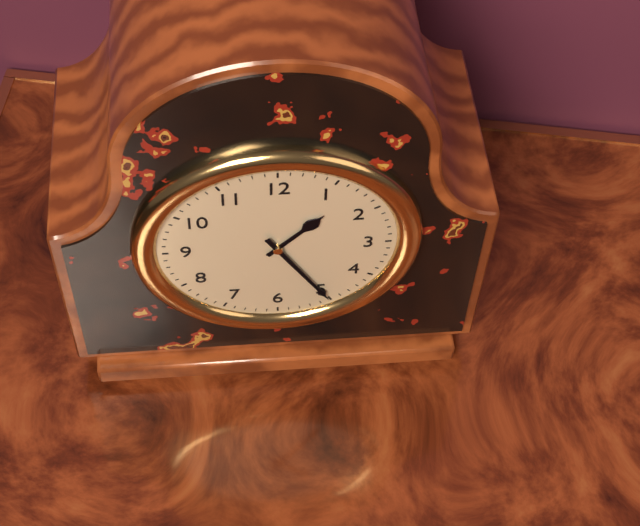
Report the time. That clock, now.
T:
1:25
